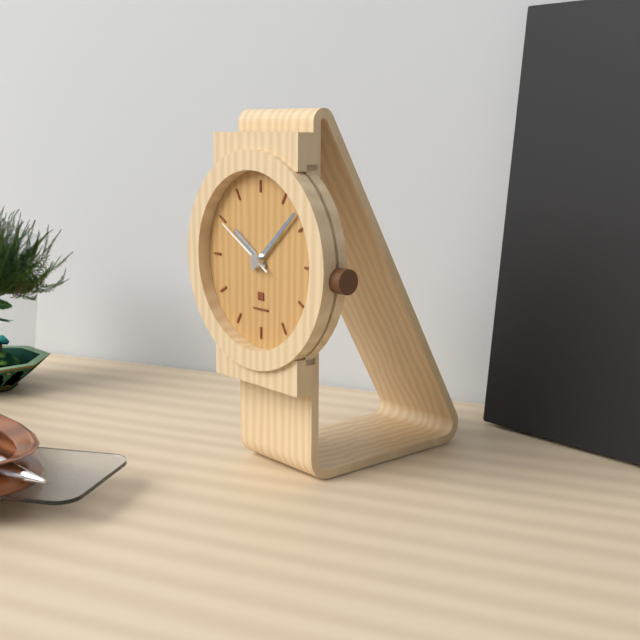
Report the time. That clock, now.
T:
10:08:50
